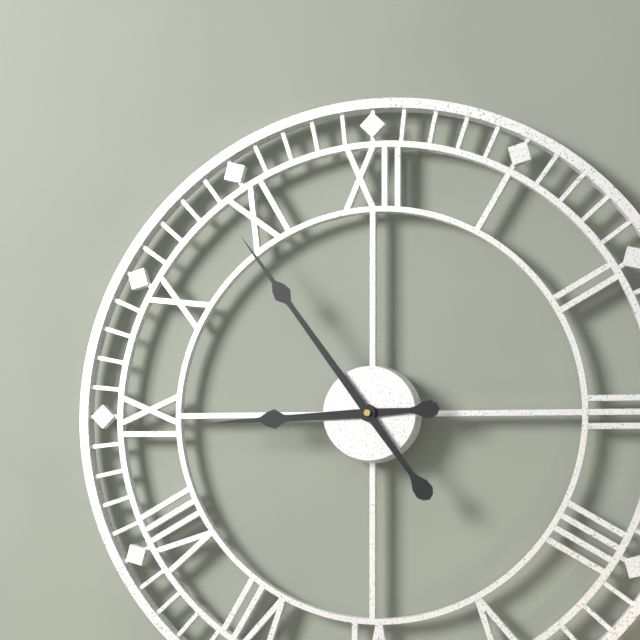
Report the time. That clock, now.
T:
8:54
